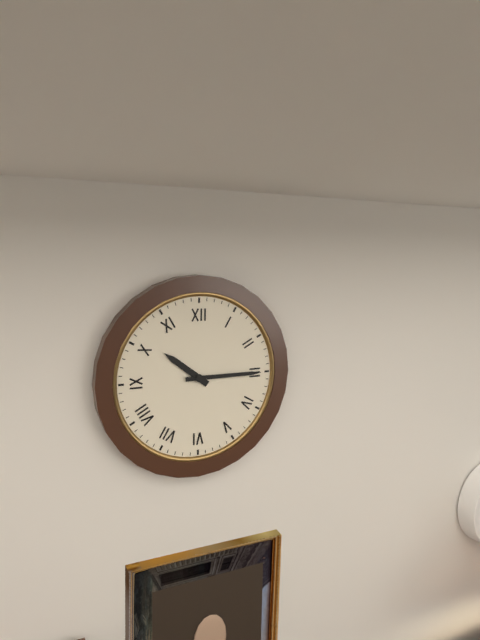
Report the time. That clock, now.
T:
10:15
